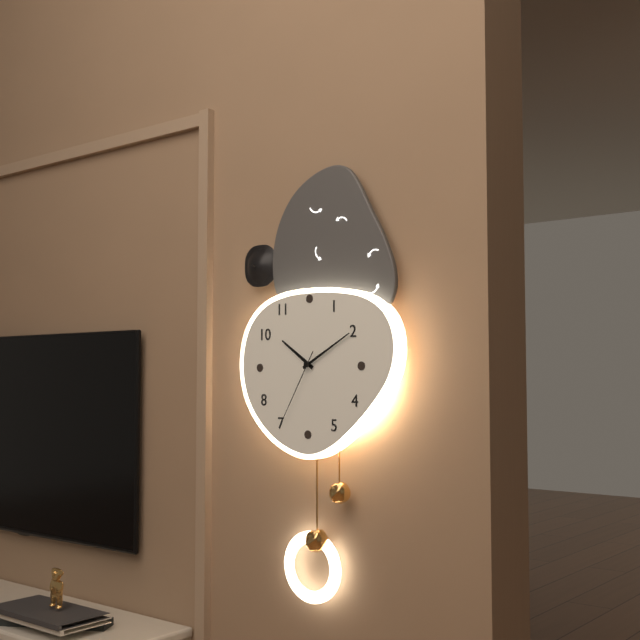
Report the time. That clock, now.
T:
10:10:35
